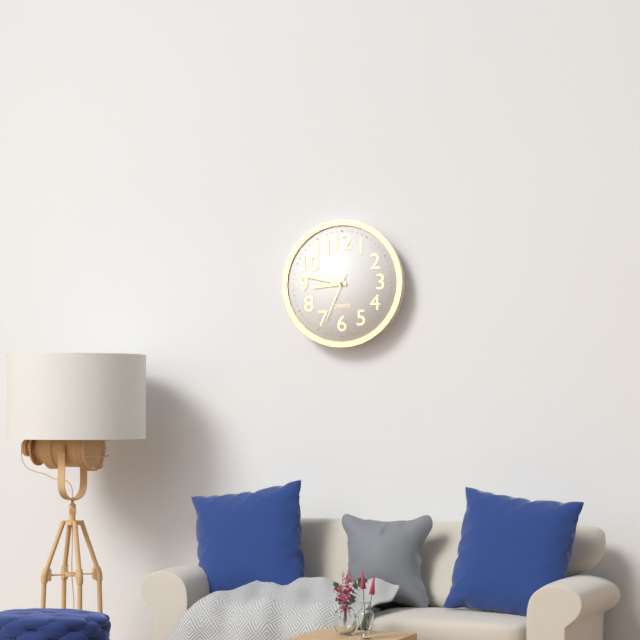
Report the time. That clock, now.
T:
8:47:34
